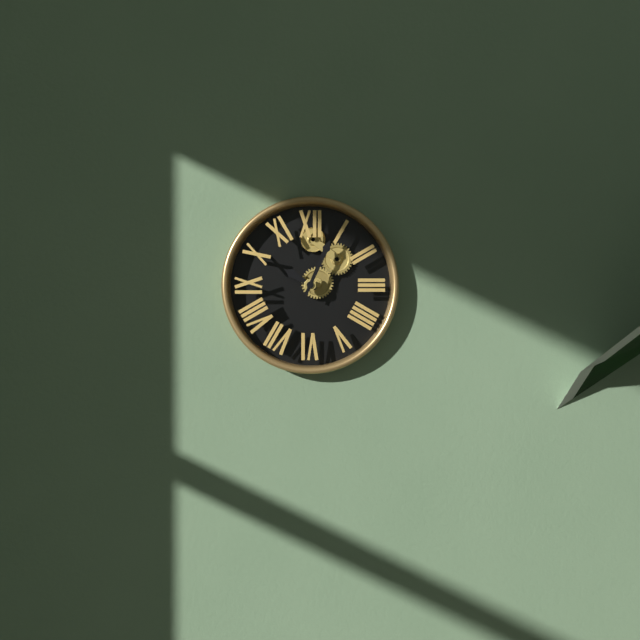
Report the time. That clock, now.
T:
10:04
